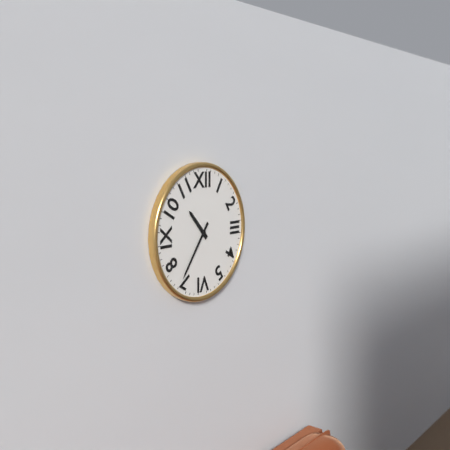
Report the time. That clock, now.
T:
10:36
